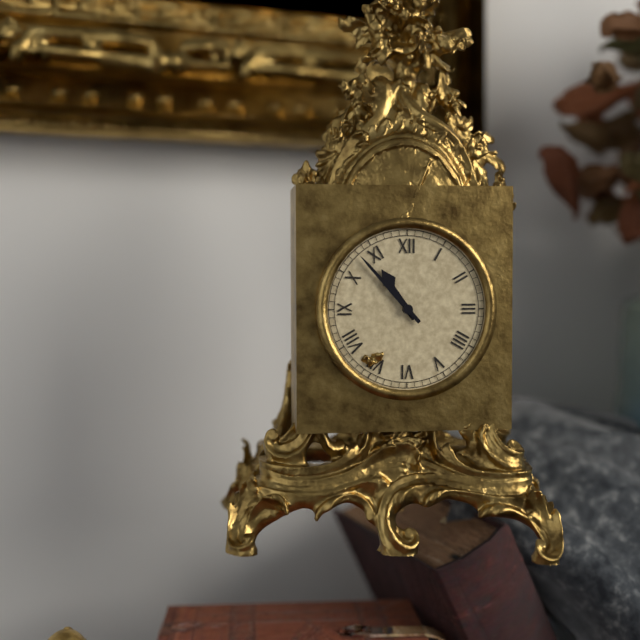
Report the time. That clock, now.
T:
10:53
